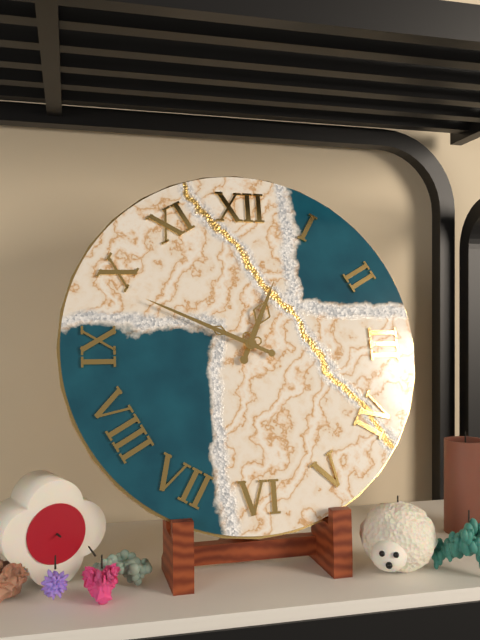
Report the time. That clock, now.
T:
12:49
